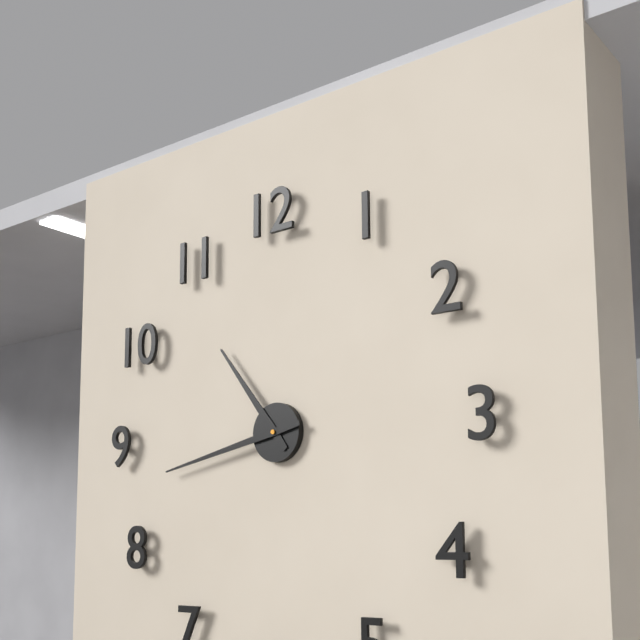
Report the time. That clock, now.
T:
10:43
